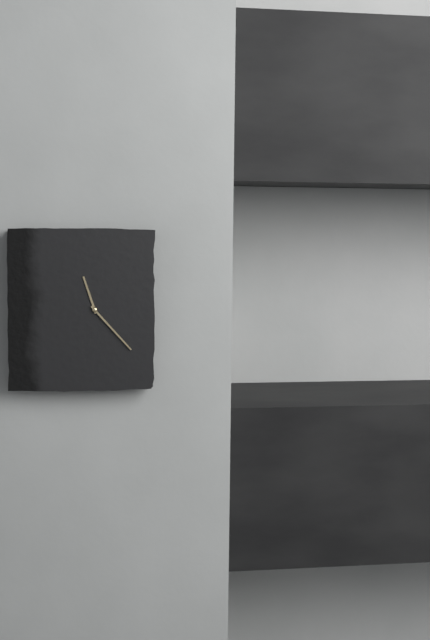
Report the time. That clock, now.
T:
11:23
